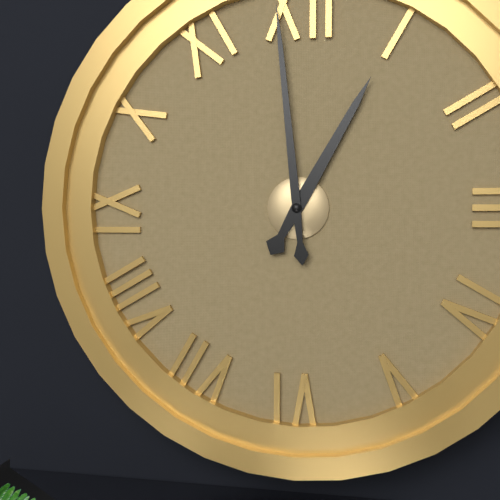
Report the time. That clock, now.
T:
12:59
